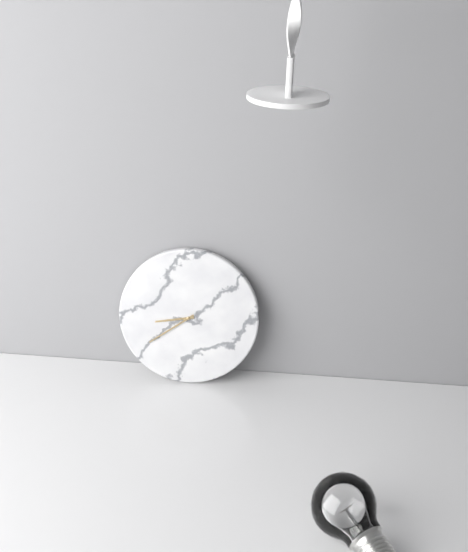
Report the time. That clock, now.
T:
8:39
